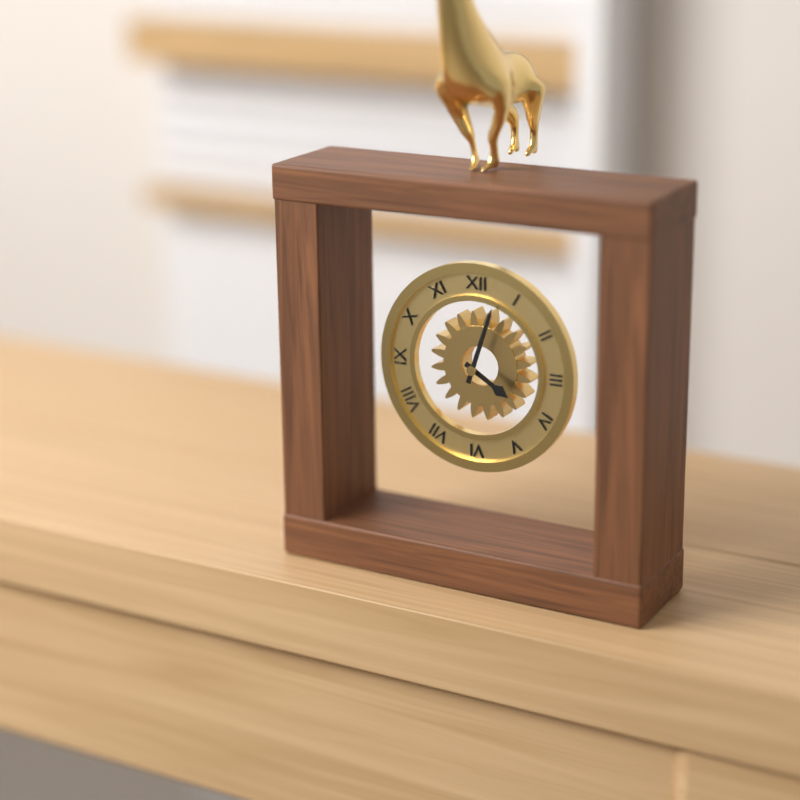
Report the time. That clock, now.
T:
4:03
